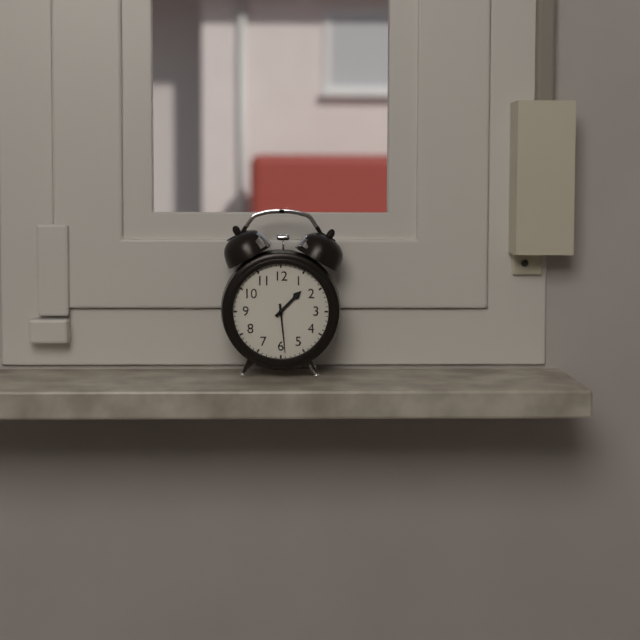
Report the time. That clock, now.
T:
1:29
